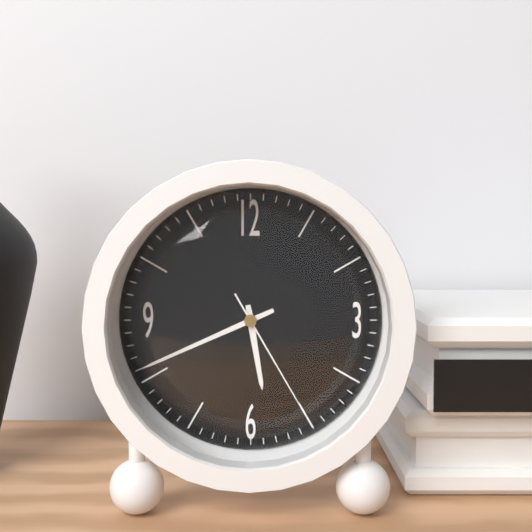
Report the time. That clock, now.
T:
5:41:25
